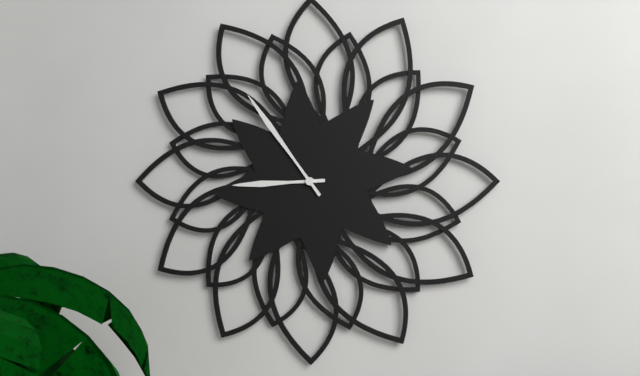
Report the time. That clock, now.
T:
8:54
